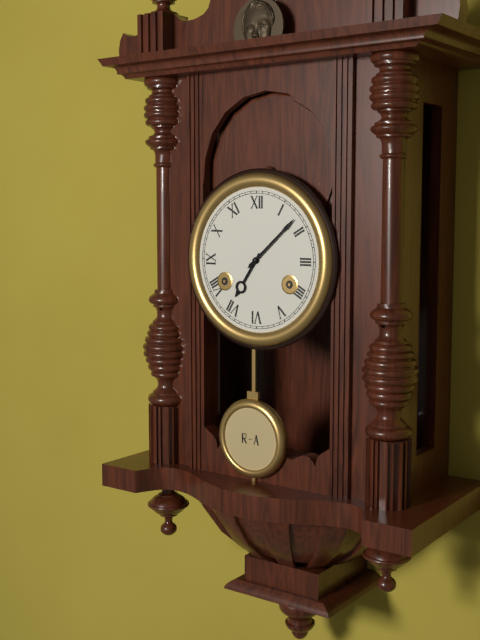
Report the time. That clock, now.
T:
7:08
